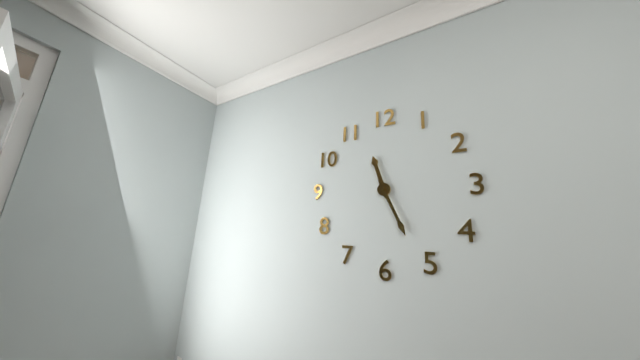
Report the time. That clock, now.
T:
11:26
